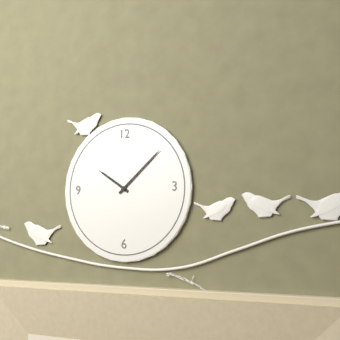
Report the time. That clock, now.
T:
10:08
